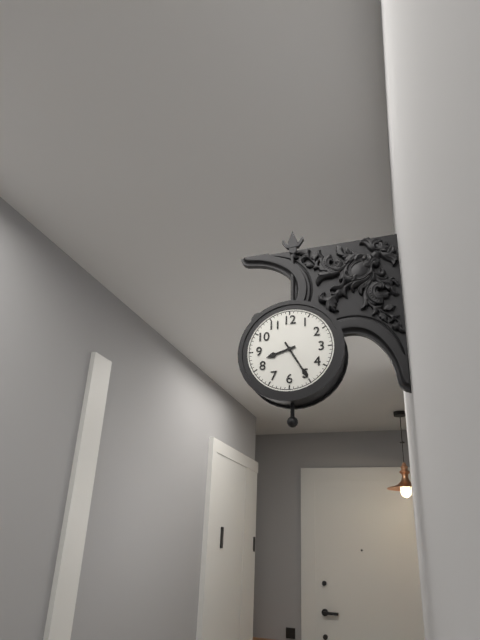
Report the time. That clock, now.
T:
8:25
